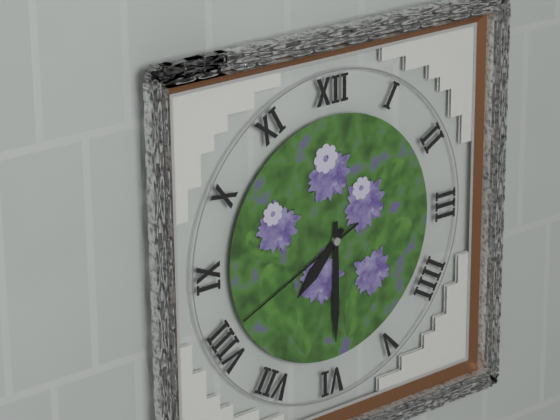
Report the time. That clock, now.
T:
7:30:41
